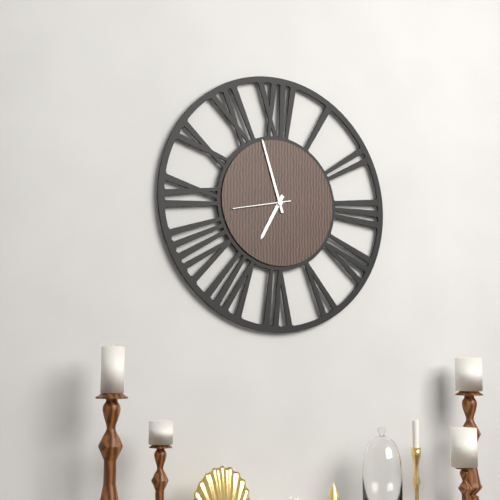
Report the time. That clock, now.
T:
6:57:43
